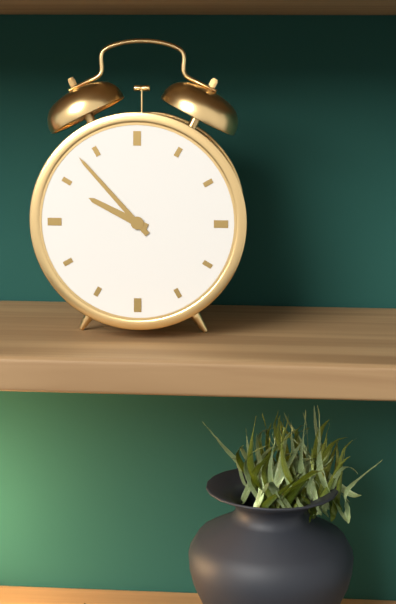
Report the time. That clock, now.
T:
9:53
